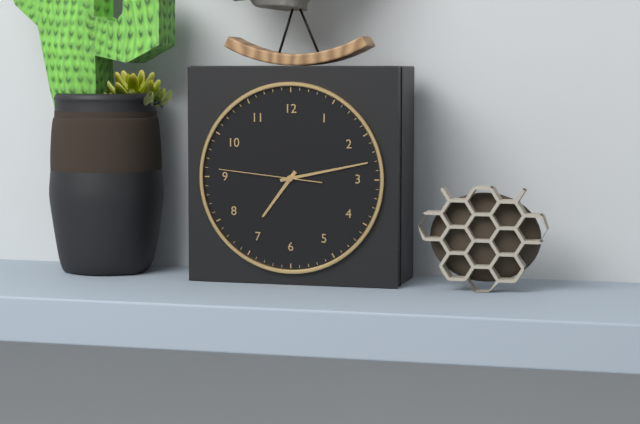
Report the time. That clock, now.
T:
7:13:46
